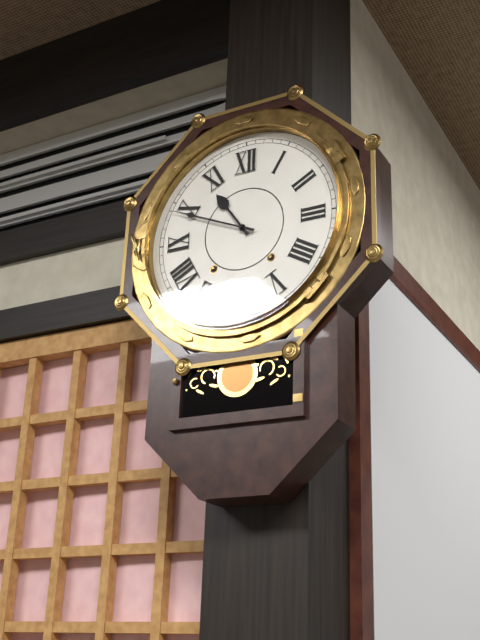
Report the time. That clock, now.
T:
10:49
